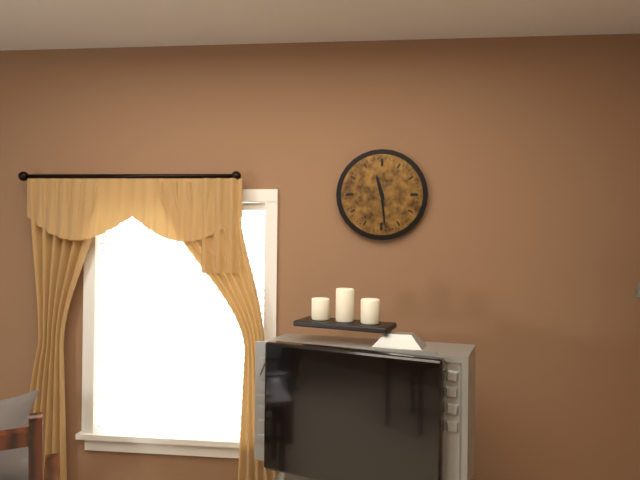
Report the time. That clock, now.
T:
11:29
